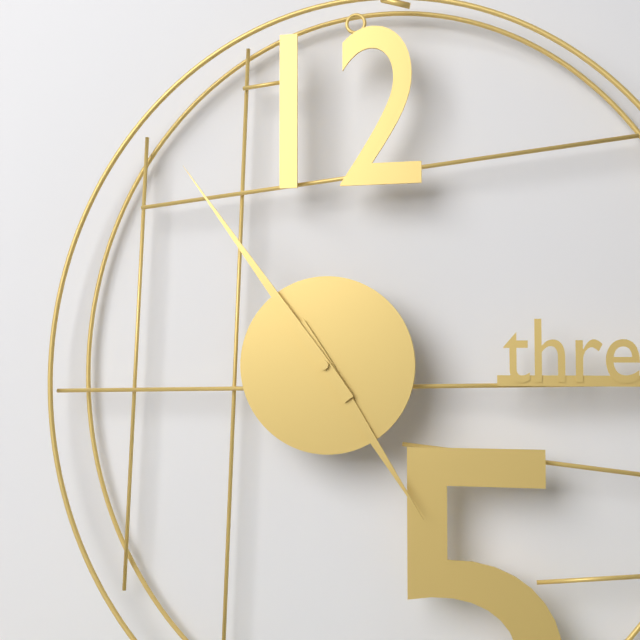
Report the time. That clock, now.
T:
4:54
